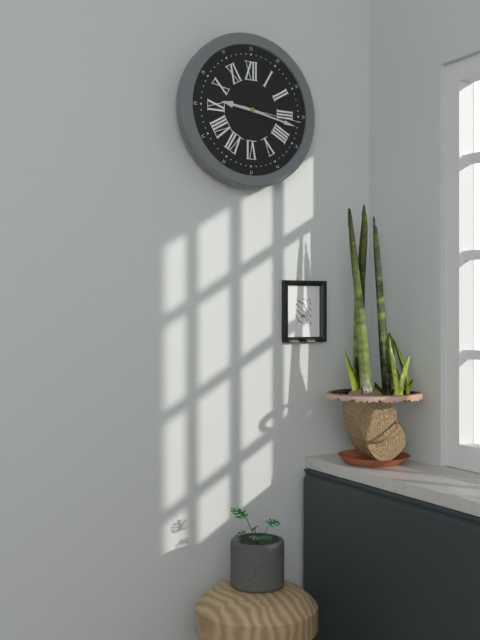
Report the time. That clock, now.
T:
9:17:16
